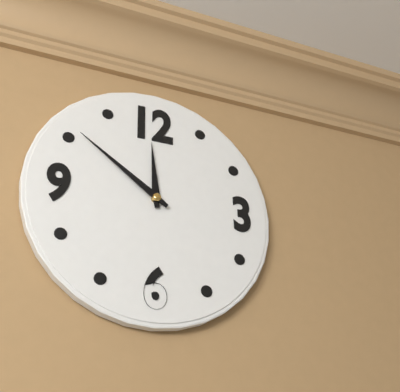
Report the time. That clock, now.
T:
11:51
